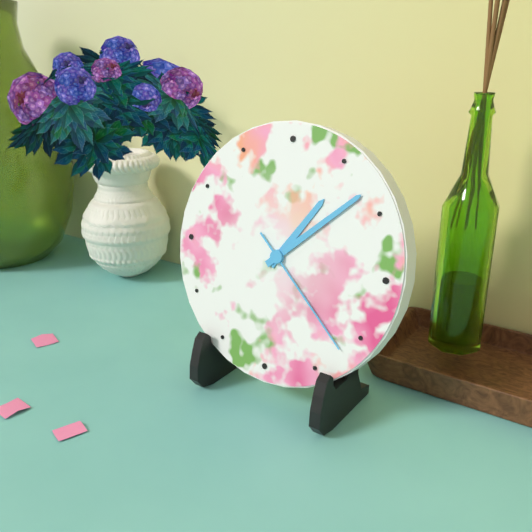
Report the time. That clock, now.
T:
1:08:22
